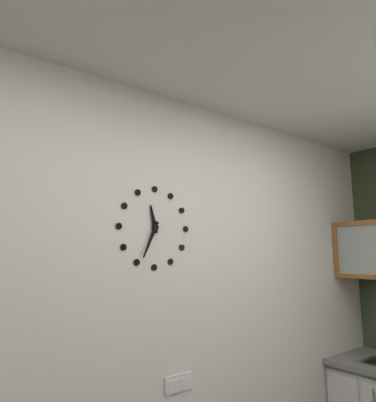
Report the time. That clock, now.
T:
11:34
